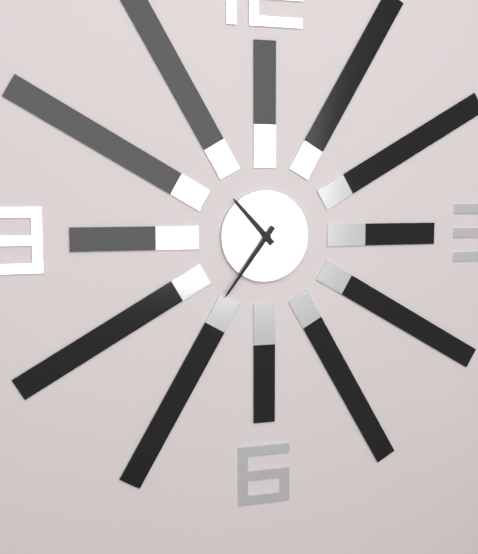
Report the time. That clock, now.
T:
10:36
